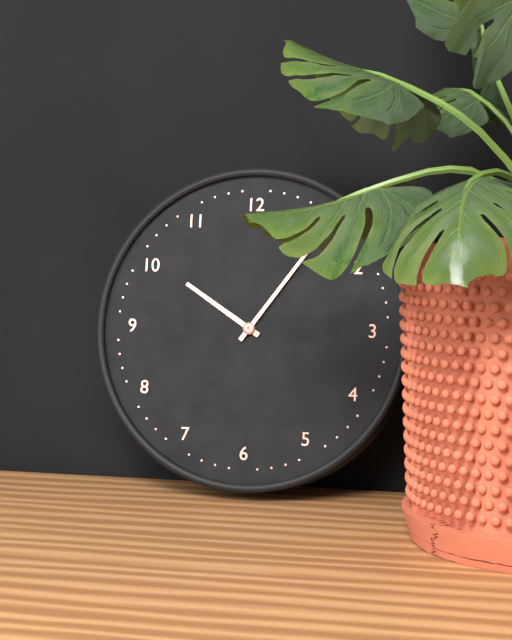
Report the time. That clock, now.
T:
10:06
